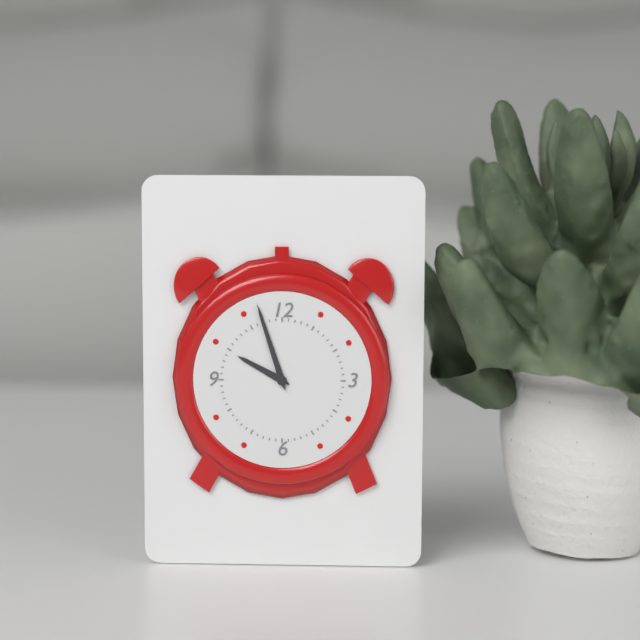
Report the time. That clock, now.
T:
9:57
